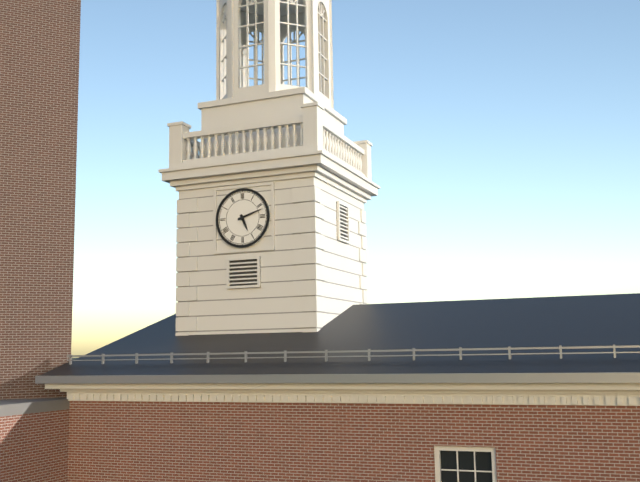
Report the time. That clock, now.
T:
5:12
